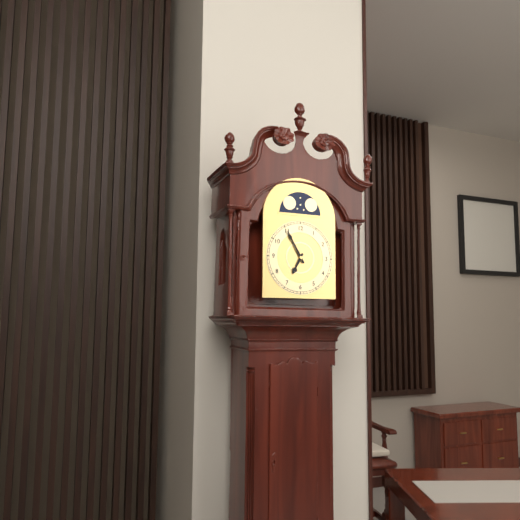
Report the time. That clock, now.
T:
6:55
